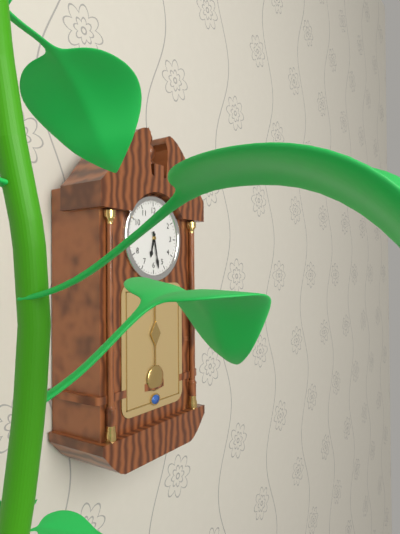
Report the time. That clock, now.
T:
6:28
